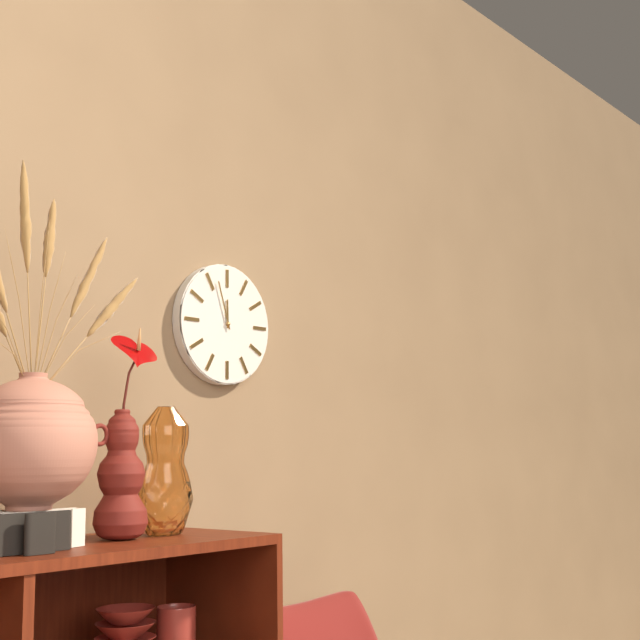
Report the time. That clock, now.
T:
11:57
